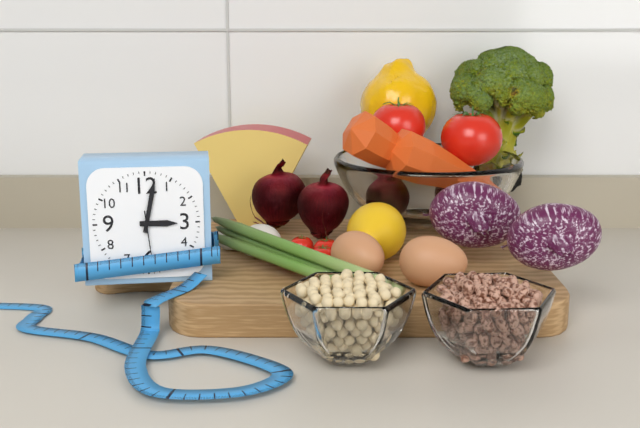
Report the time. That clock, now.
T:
3:02
